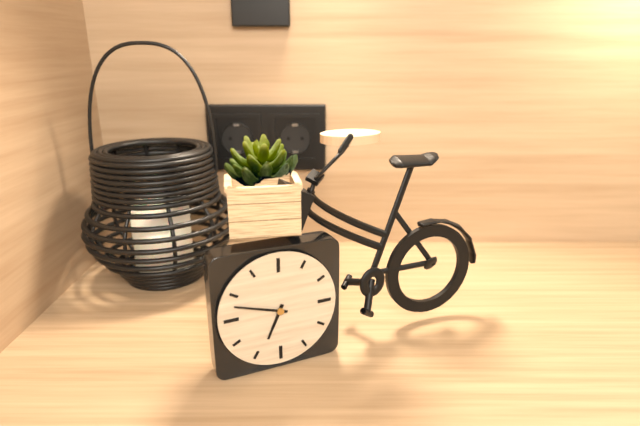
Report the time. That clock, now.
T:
6:48
